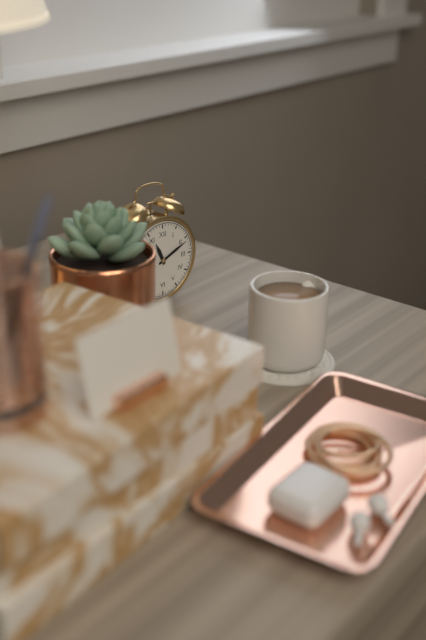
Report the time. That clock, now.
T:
11:11
